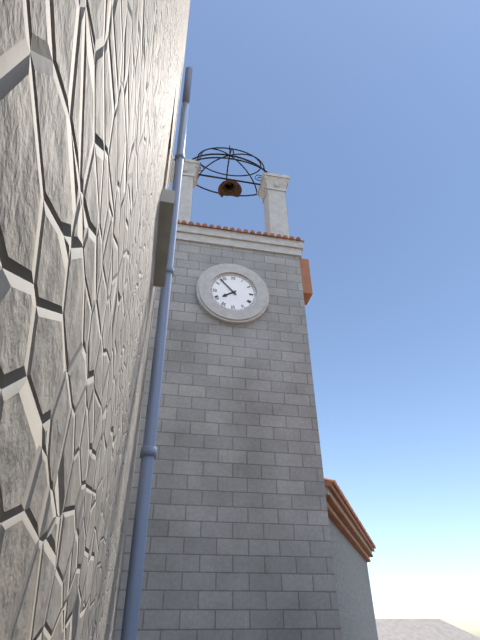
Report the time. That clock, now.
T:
7:53
